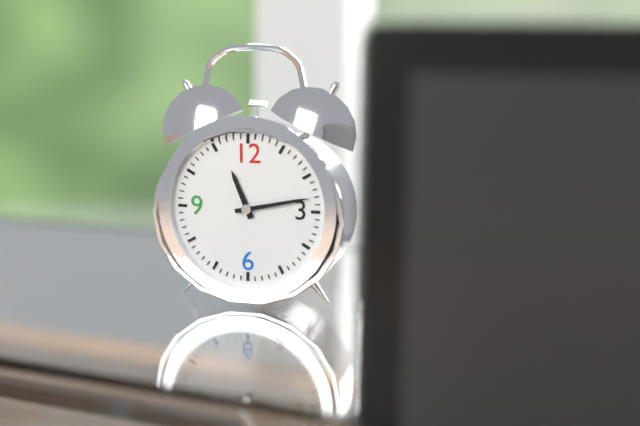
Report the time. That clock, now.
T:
11:13
